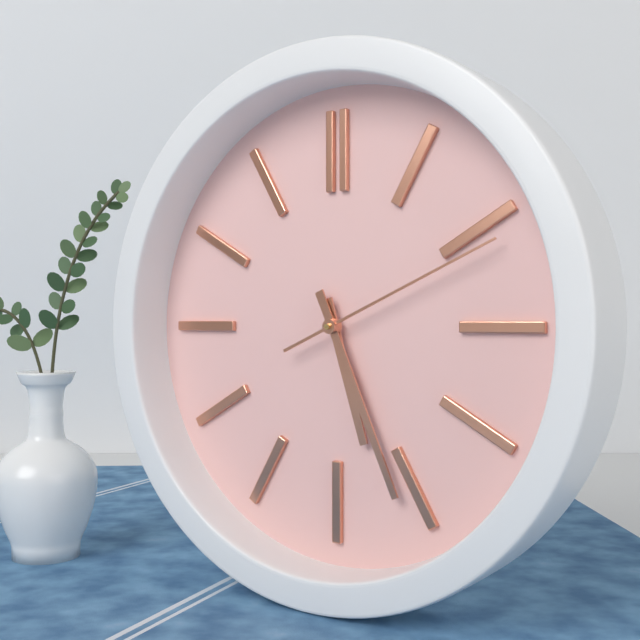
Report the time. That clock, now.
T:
5:26:11
